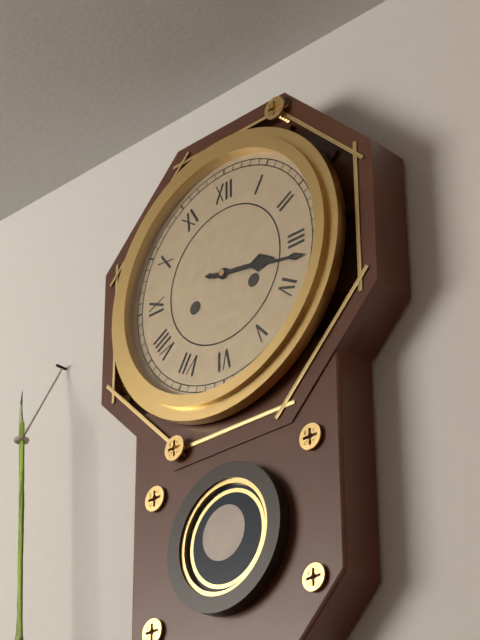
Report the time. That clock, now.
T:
3:17
